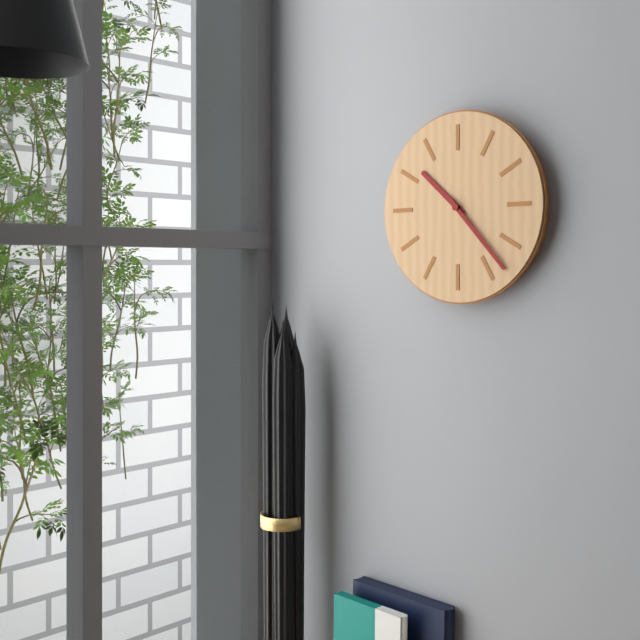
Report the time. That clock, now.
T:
10:23
